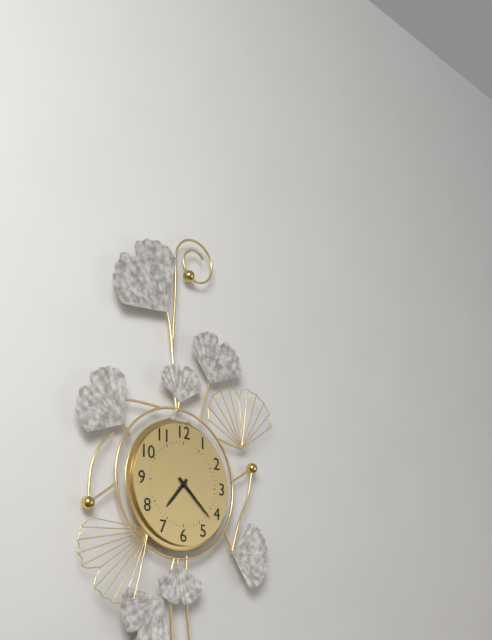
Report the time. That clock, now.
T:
7:22
